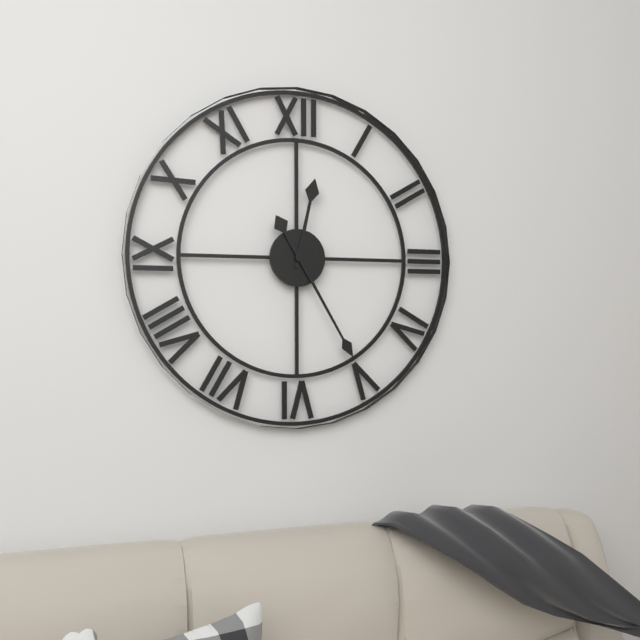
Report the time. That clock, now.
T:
12:25
